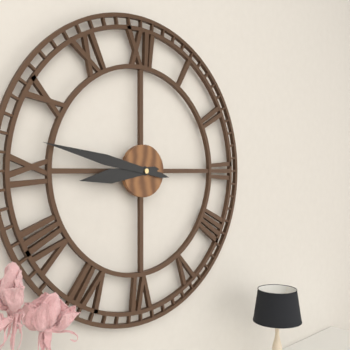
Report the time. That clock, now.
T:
8:47
